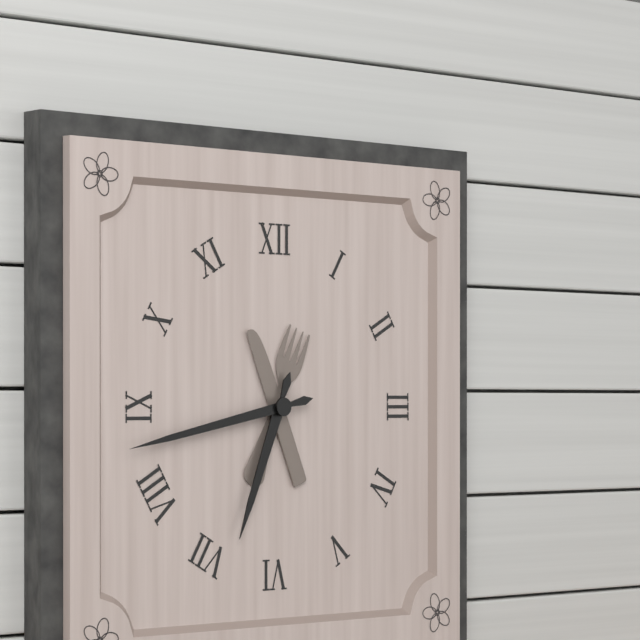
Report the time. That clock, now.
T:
6:43
